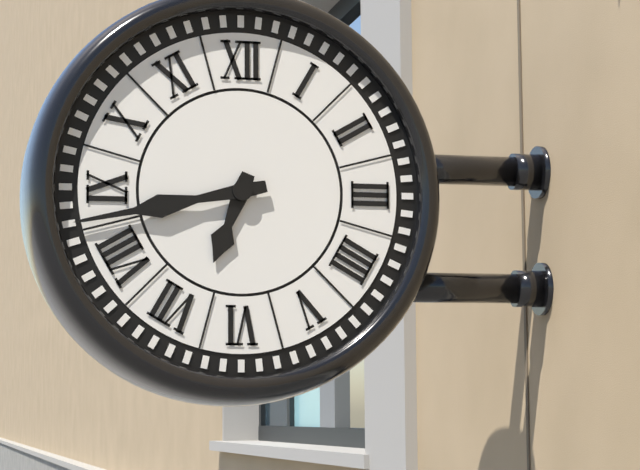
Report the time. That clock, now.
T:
6:43
